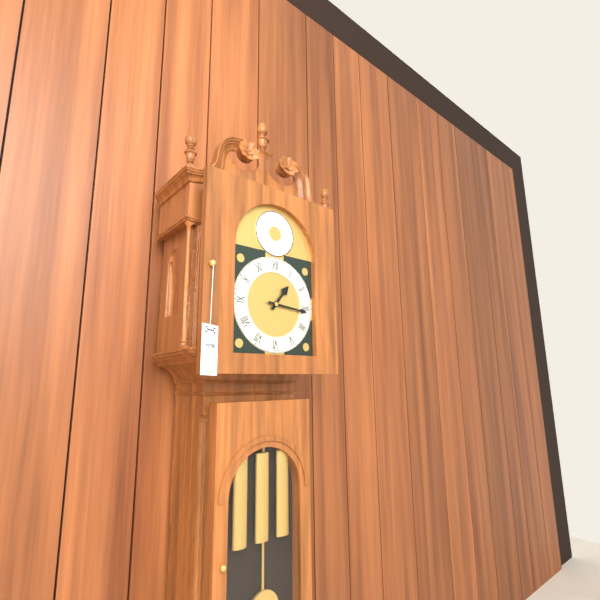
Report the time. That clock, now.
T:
1:16
